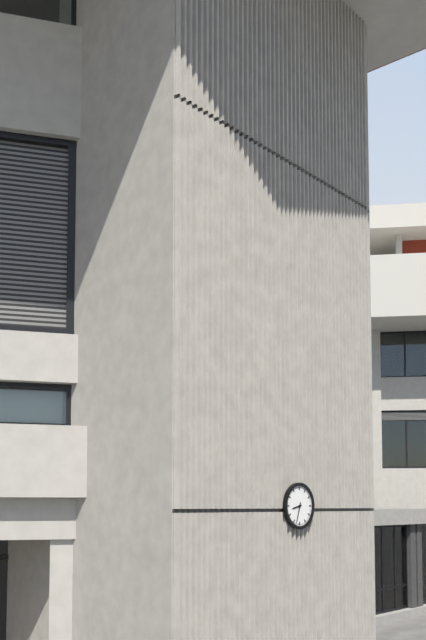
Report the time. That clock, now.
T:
8:33
